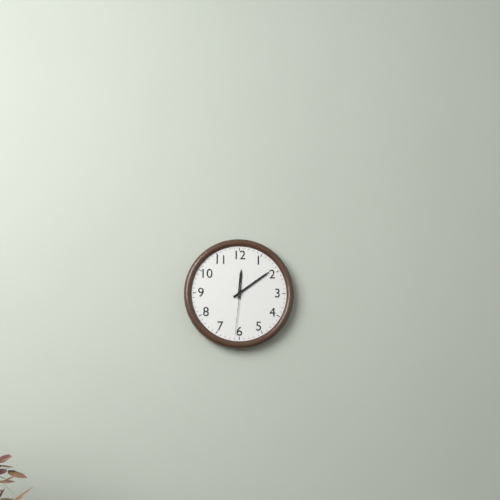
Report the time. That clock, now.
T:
12:09:31
